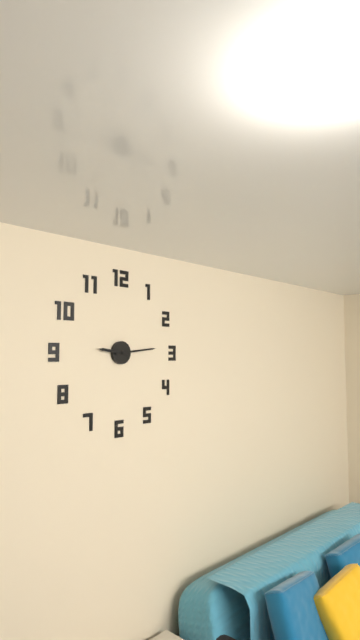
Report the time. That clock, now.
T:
9:14
